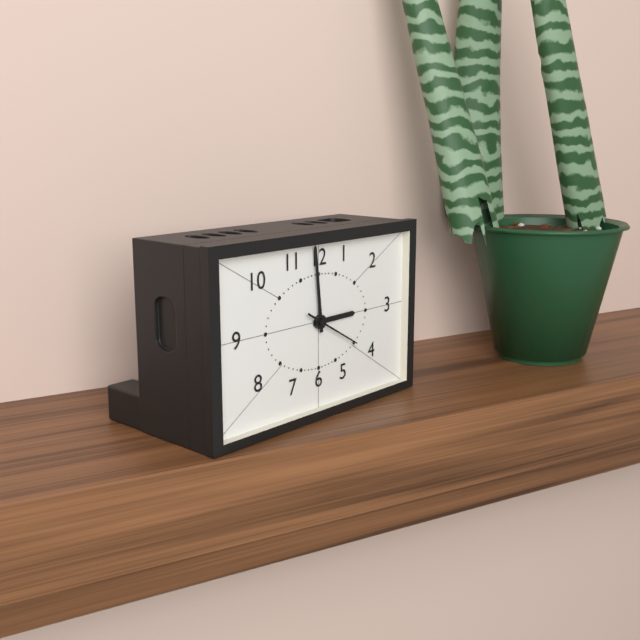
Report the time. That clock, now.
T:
2:59:20
